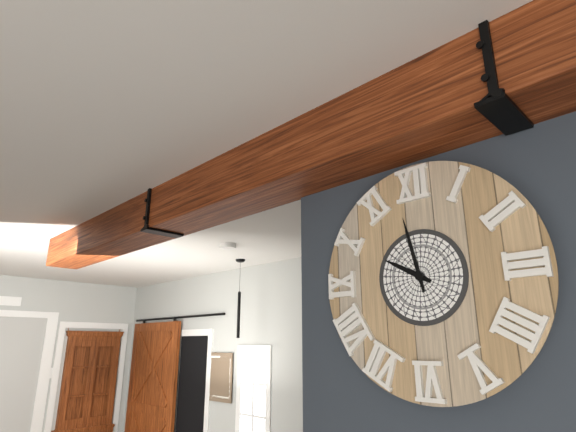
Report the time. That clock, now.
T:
9:58
